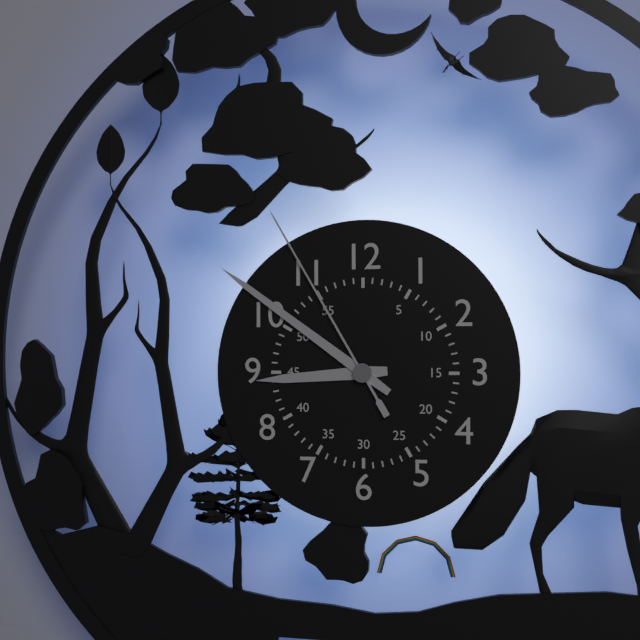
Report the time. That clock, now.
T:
8:51:55
